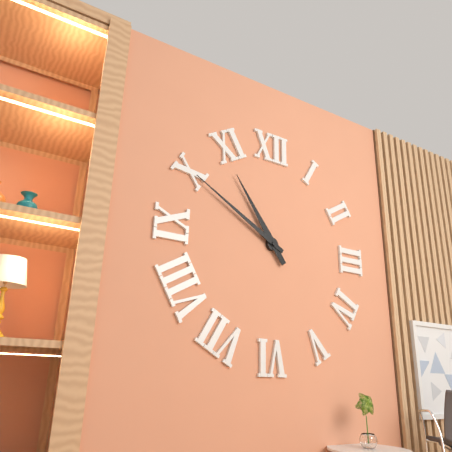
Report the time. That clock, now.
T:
10:50
